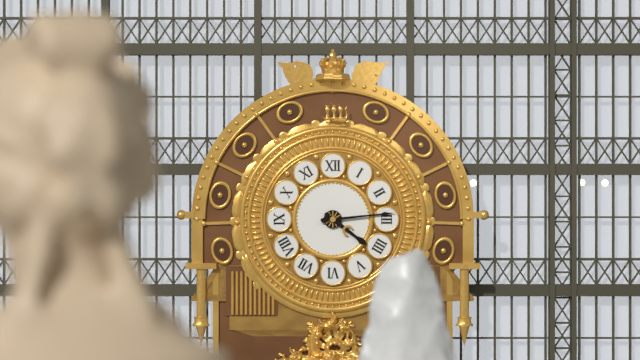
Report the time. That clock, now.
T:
4:14
